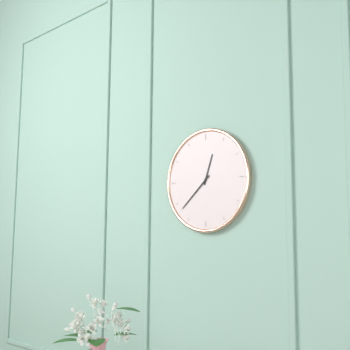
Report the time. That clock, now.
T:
12:38
